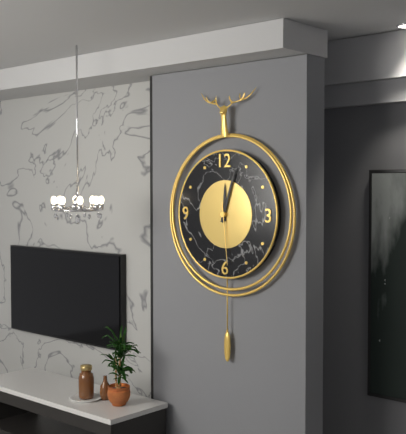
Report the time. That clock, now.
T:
12:03:29
